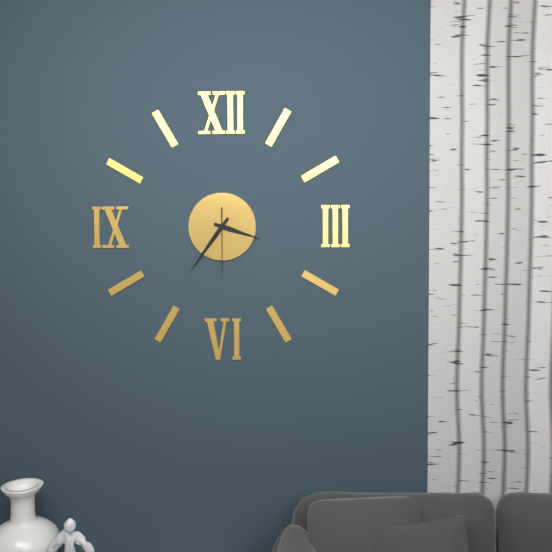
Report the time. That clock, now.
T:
3:36:30
